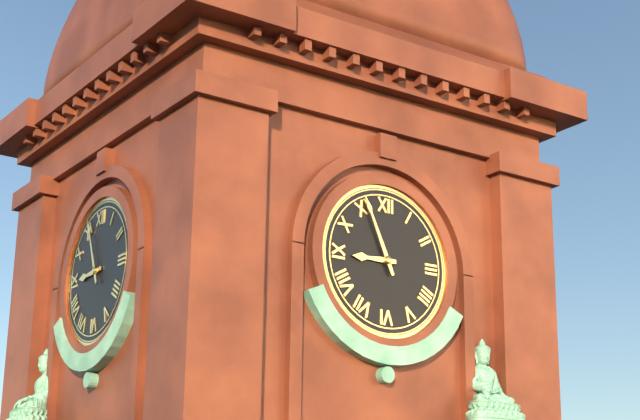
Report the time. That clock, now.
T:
8:56
